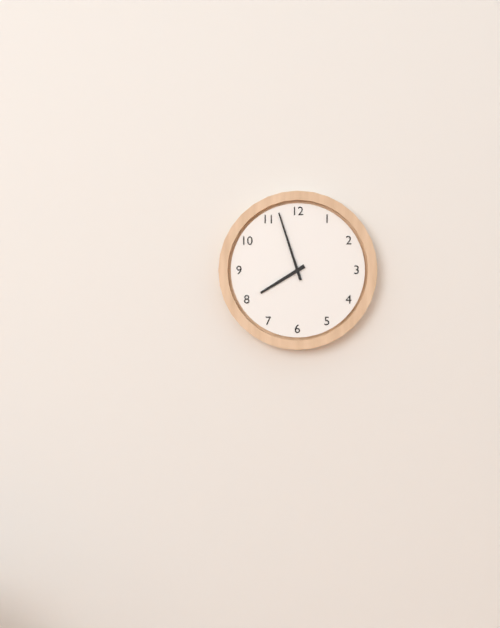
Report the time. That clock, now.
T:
7:57
